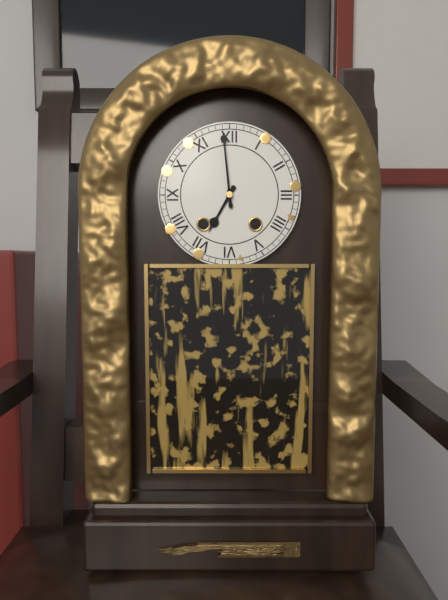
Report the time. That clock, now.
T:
6:59
